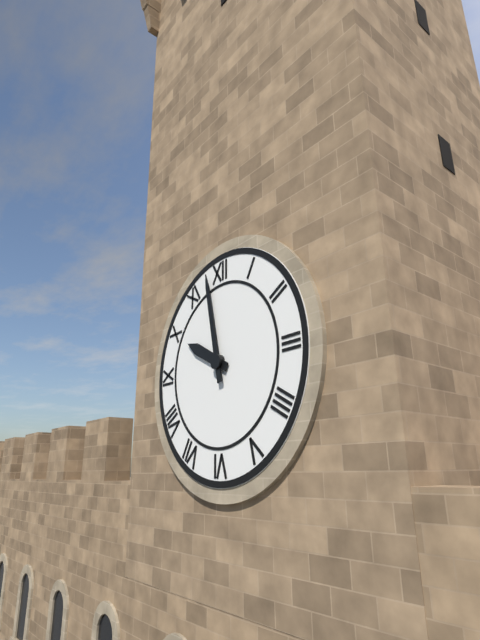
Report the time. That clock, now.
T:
9:58
